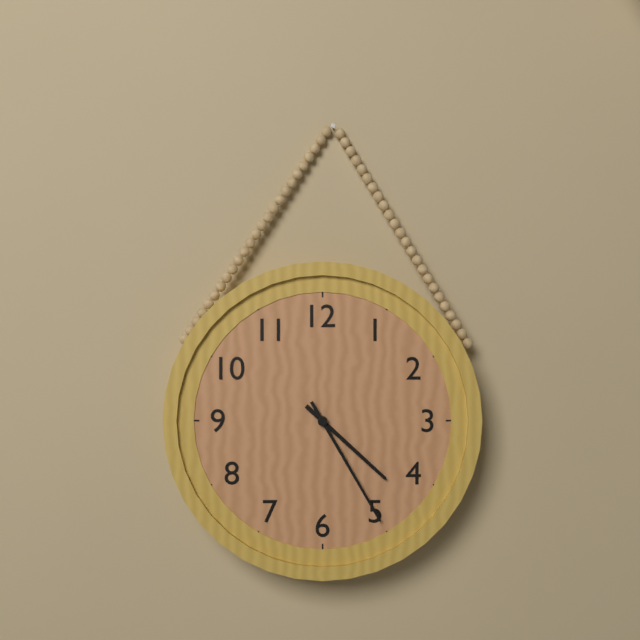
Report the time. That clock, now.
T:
4:25
